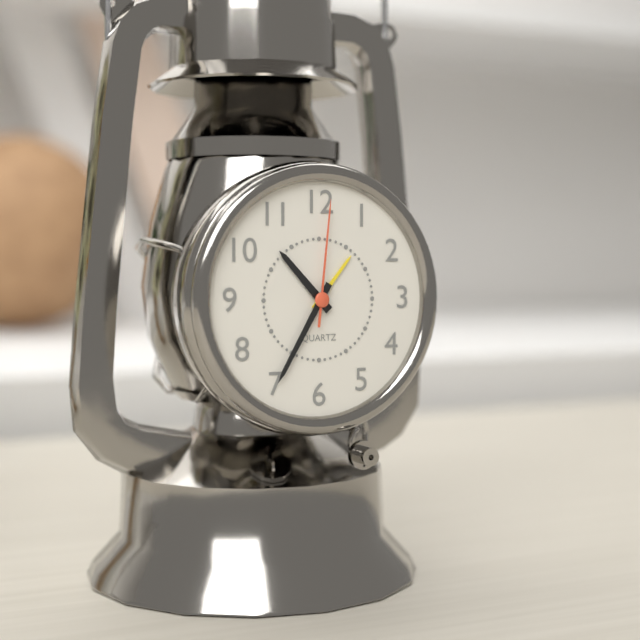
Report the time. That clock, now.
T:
10:35:01
